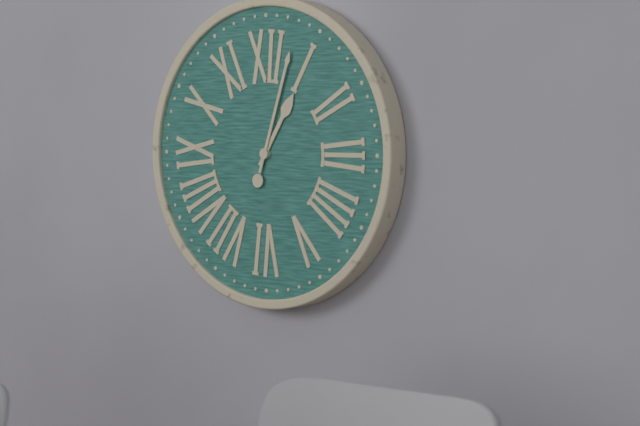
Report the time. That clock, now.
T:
1:03
